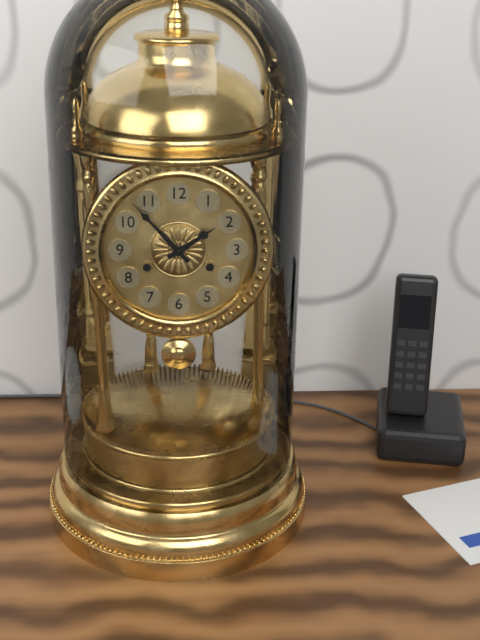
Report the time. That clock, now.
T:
1:53
